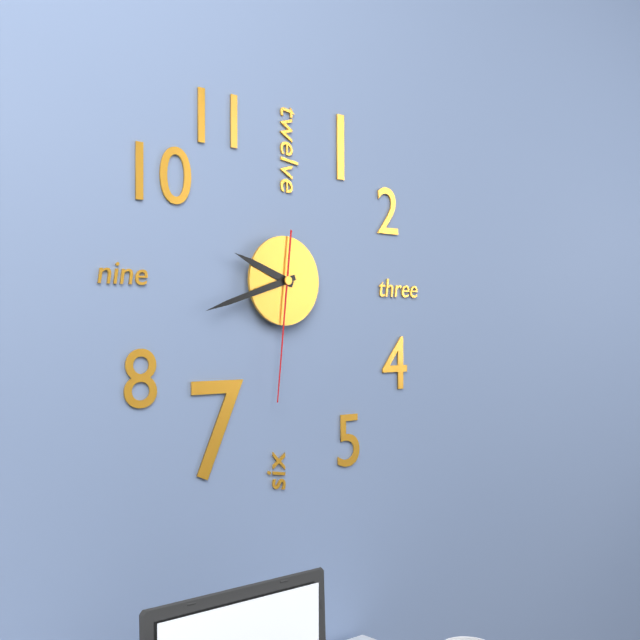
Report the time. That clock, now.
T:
9:42:31
